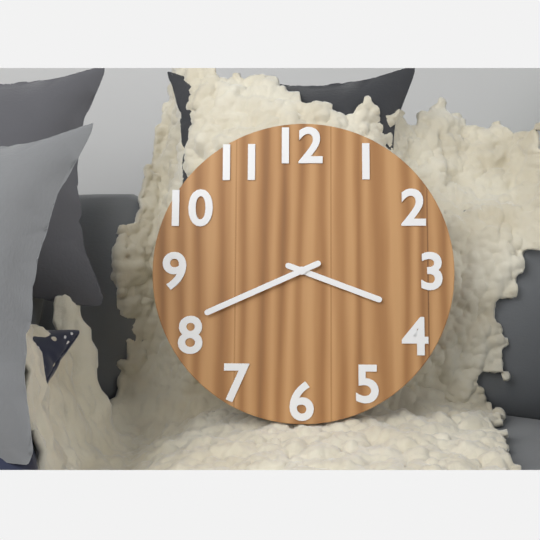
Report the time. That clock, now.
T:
3:41
